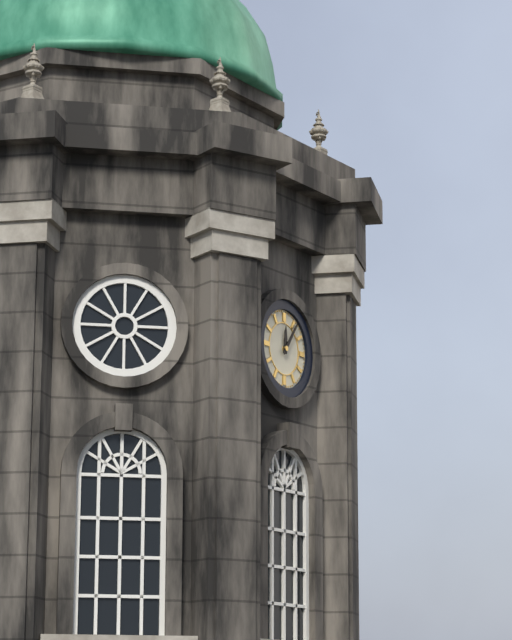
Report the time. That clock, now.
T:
12:06
